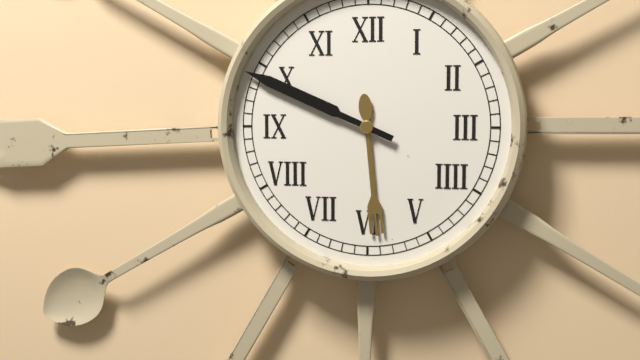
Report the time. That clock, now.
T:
5:49
